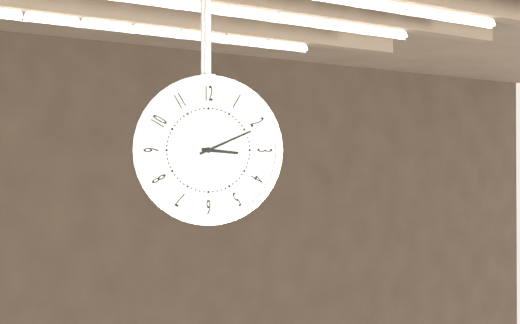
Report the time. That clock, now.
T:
3:11
